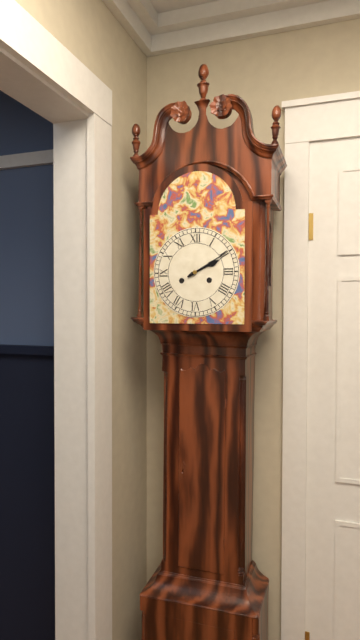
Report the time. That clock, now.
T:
2:10
